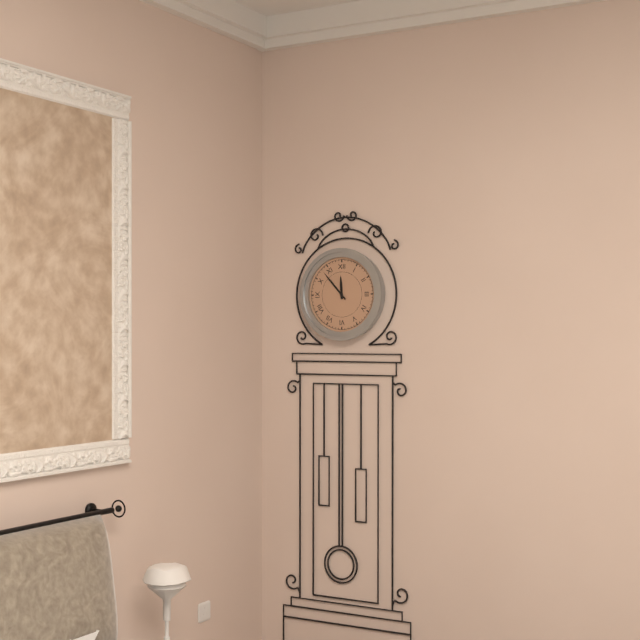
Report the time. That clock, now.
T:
11:53
